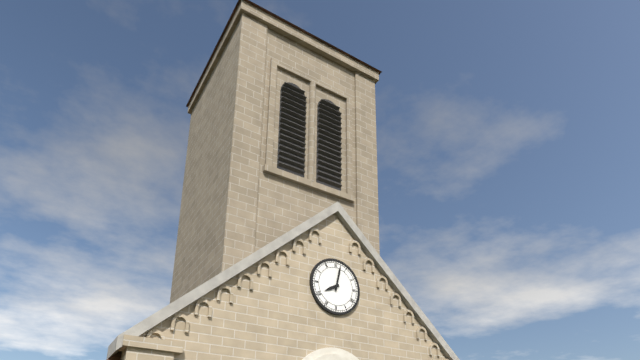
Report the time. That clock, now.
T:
8:02
